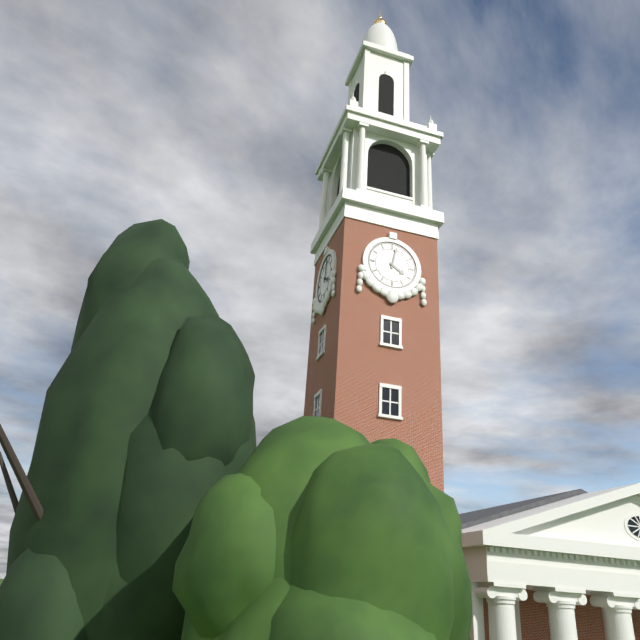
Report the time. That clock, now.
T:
4:02
